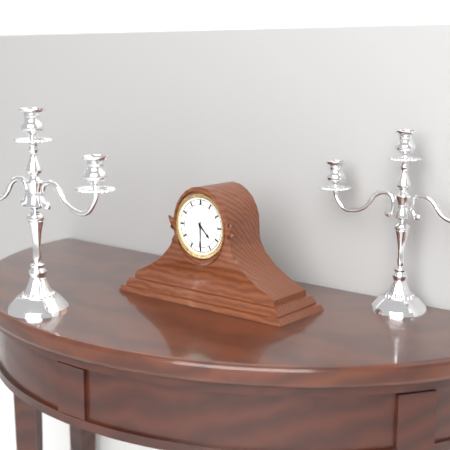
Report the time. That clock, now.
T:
4:30
